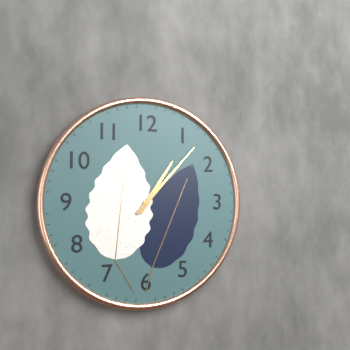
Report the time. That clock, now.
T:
1:07
